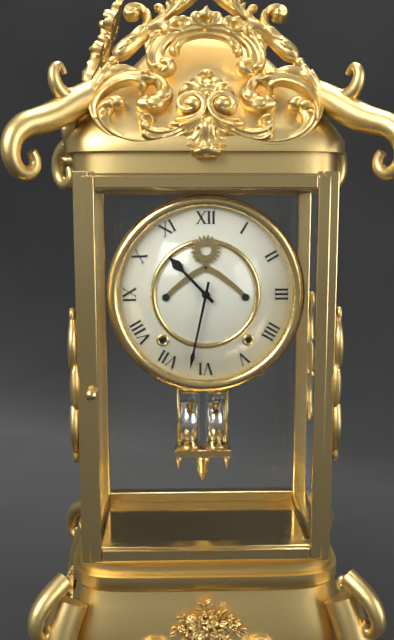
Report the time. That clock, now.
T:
10:32
